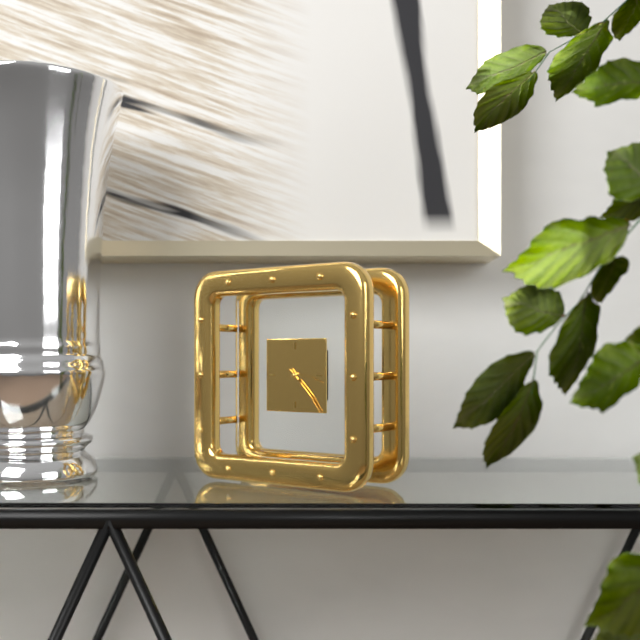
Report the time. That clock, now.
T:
3:23
